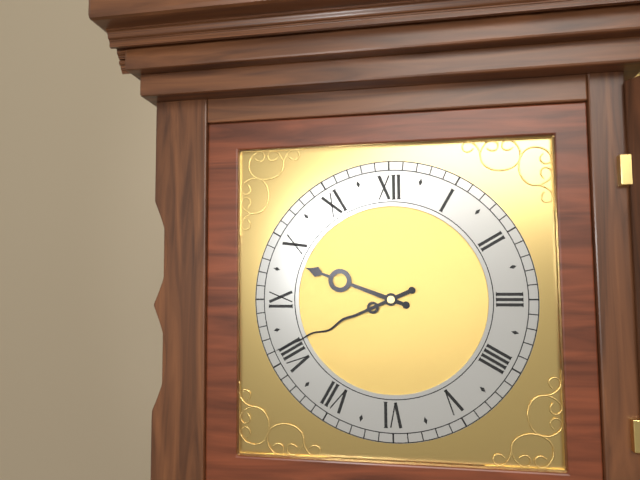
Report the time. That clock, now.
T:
9:41
